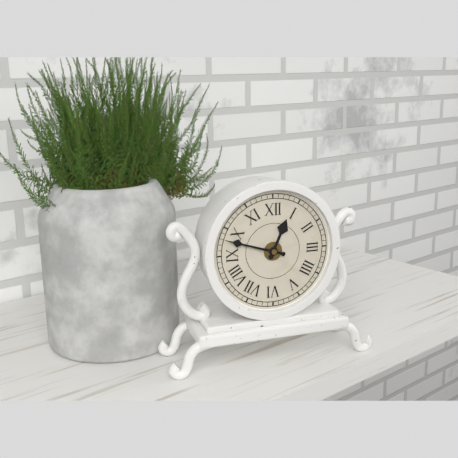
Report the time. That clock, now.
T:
12:48
